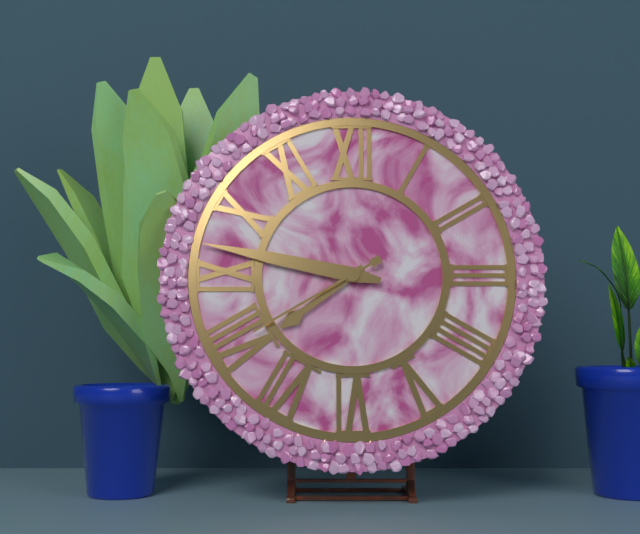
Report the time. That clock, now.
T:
7:47:40
